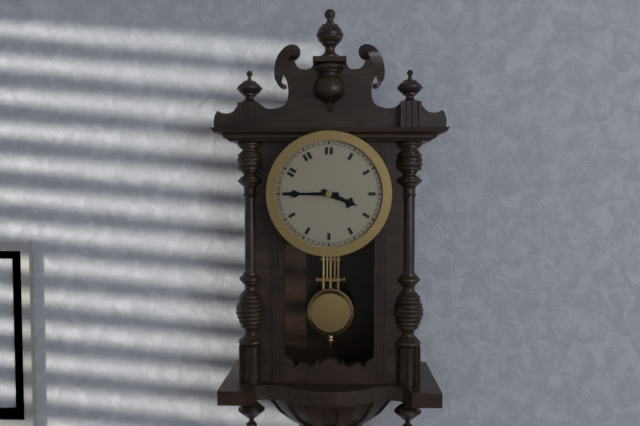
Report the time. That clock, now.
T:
3:45
